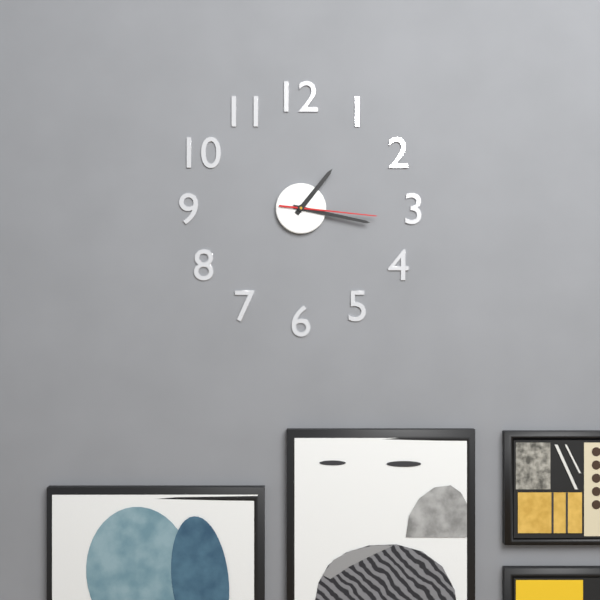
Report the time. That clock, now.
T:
1:17:16
